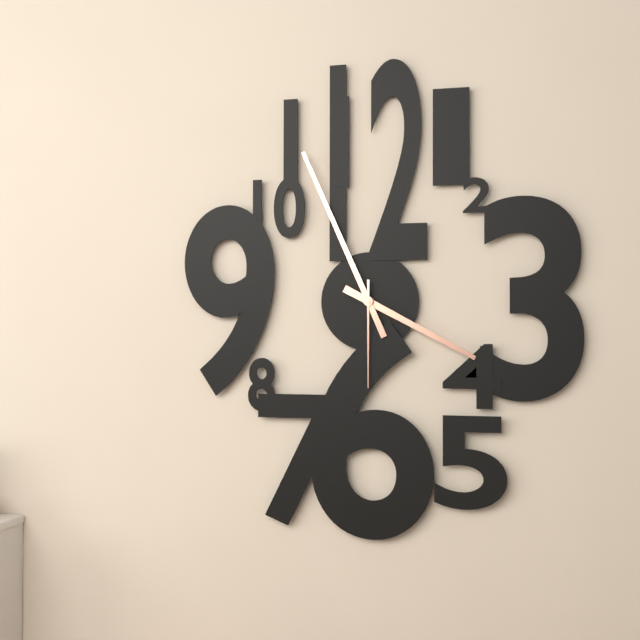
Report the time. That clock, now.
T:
3:56:30
